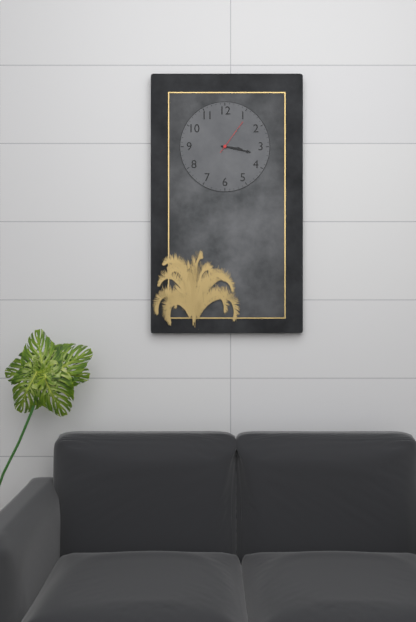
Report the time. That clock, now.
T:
3:17
